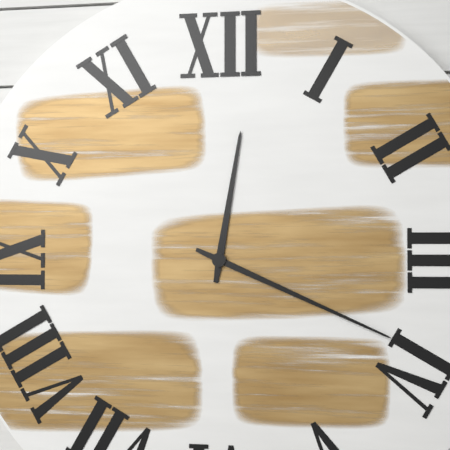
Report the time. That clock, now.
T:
12:19
